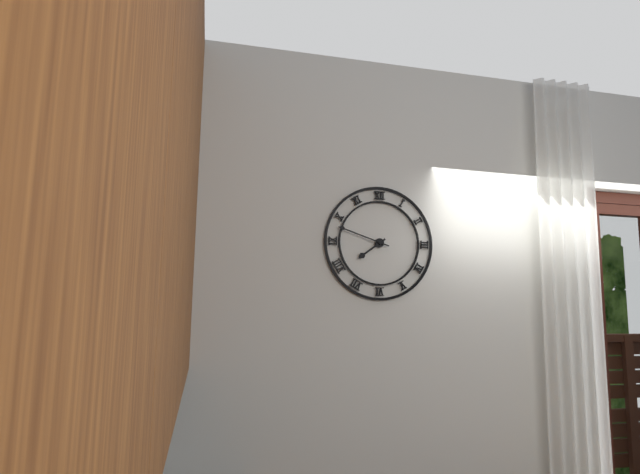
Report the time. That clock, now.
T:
7:48
